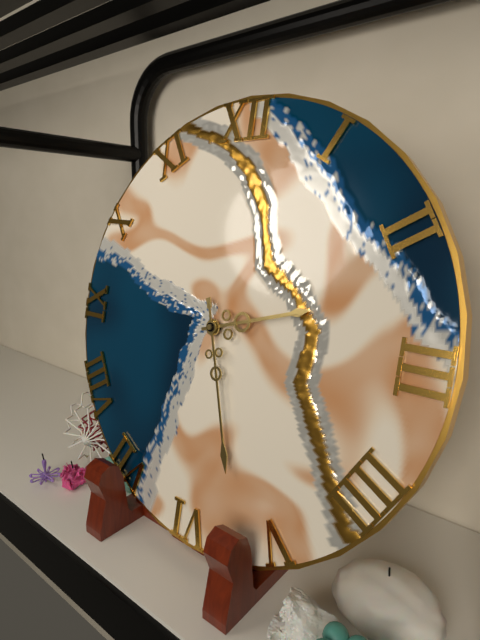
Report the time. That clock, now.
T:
2:27
